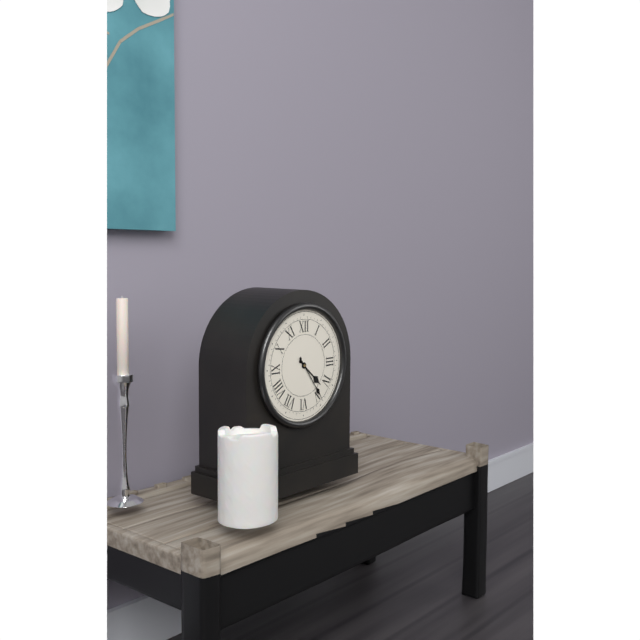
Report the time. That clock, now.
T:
4:24
